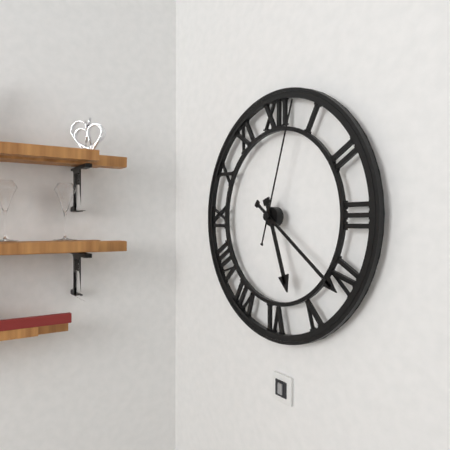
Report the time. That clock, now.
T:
5:21:03
